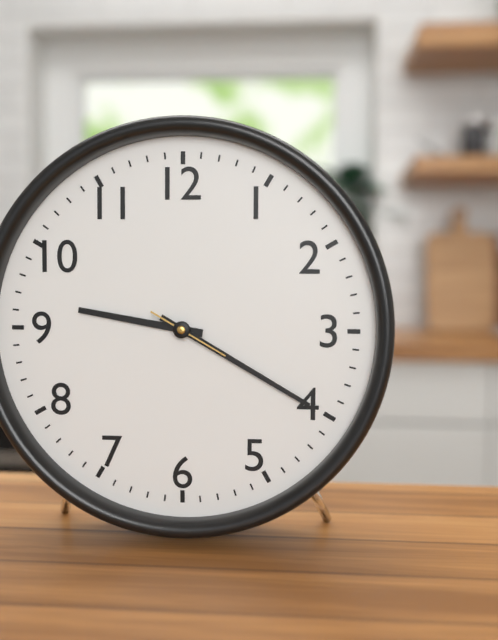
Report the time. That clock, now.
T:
9:20:20
